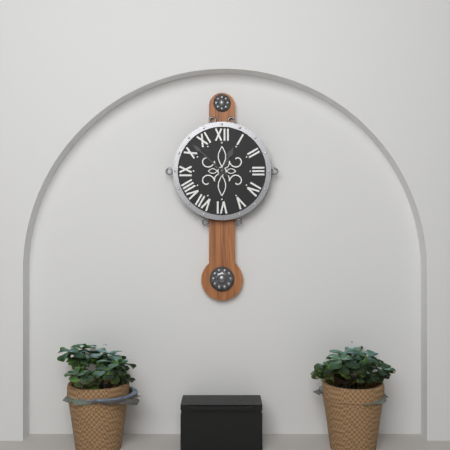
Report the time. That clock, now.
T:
12:52
